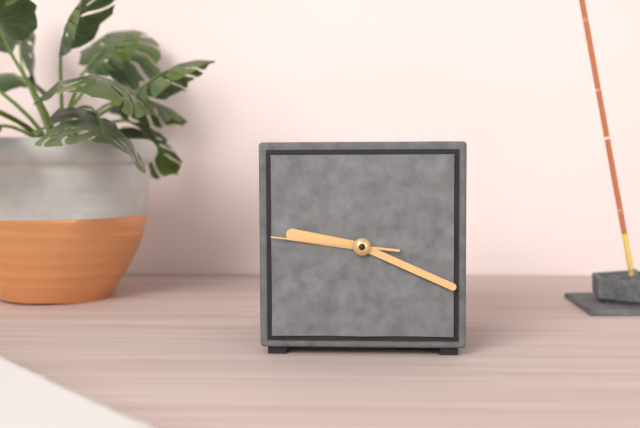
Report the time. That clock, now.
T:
9:19:46
